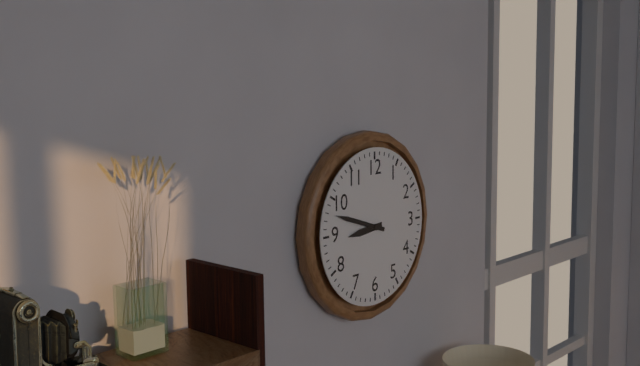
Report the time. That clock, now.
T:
8:48
